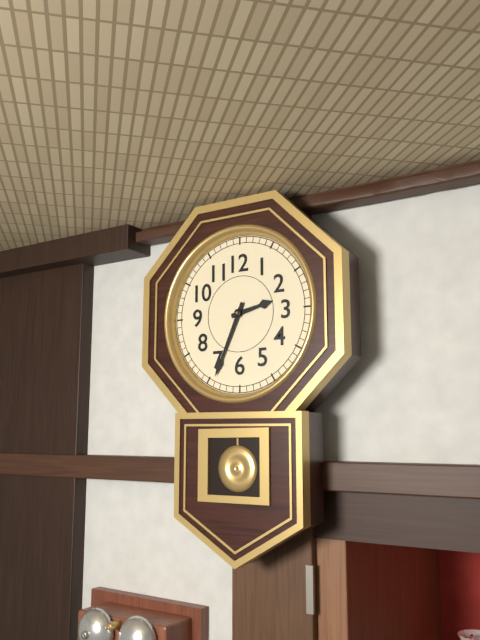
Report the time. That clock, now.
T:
2:34
